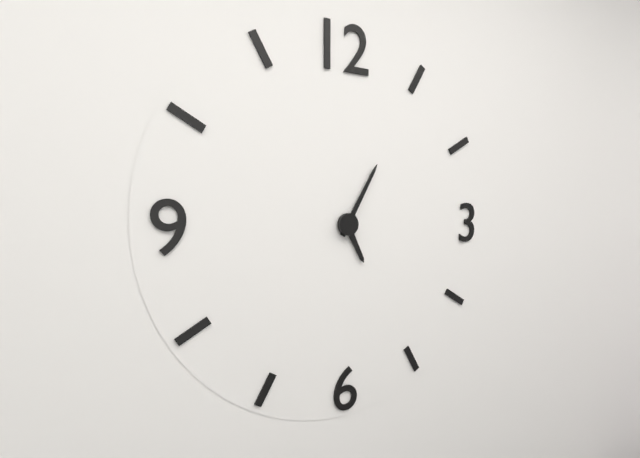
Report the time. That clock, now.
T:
5:05
